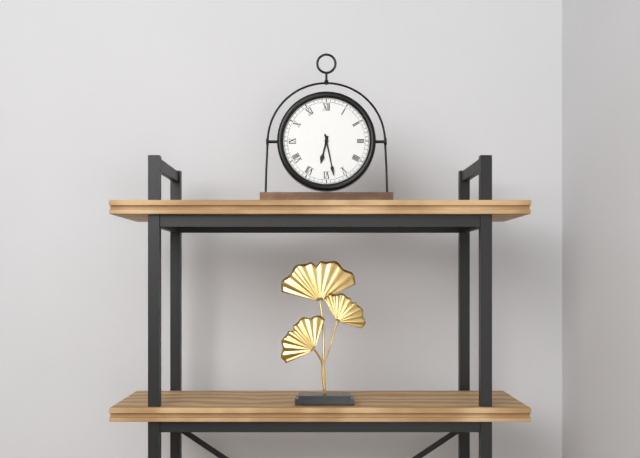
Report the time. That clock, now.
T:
6:28
